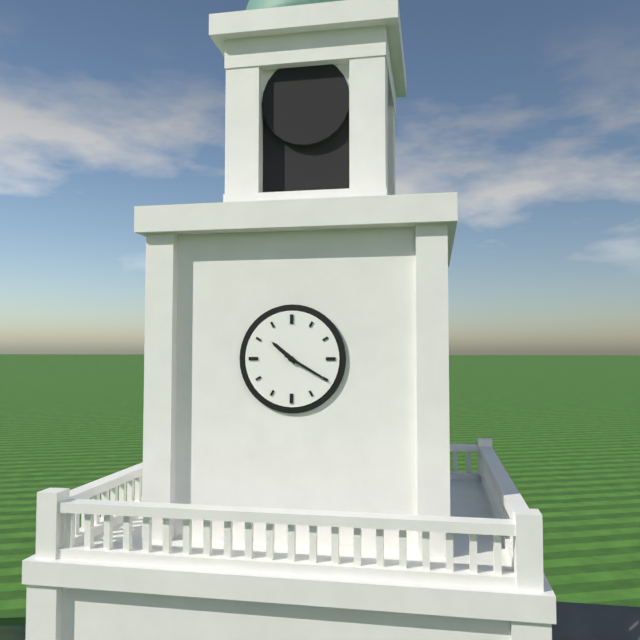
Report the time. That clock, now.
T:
10:20
